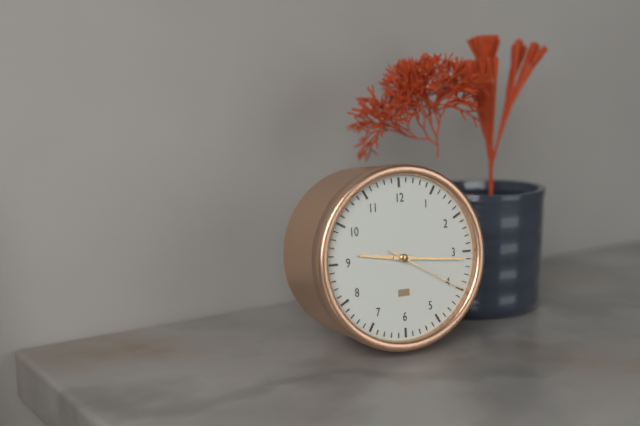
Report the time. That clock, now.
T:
9:16:20
